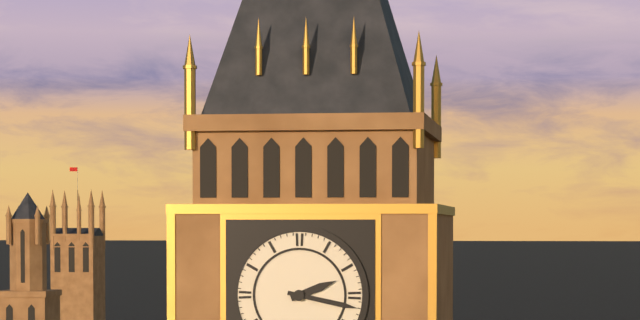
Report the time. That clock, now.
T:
2:17
